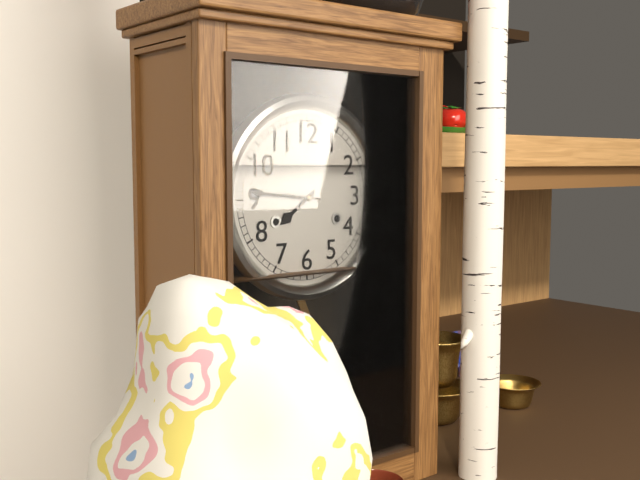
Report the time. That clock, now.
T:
7:46
